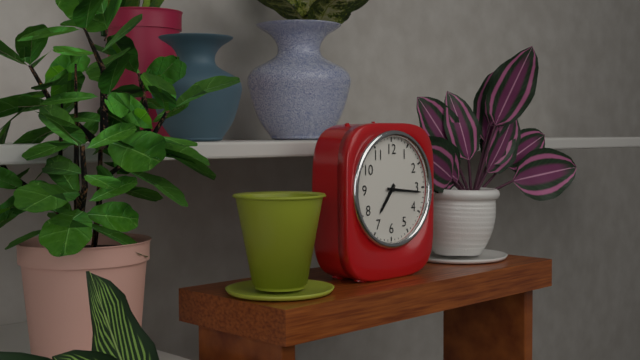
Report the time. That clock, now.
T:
7:16
